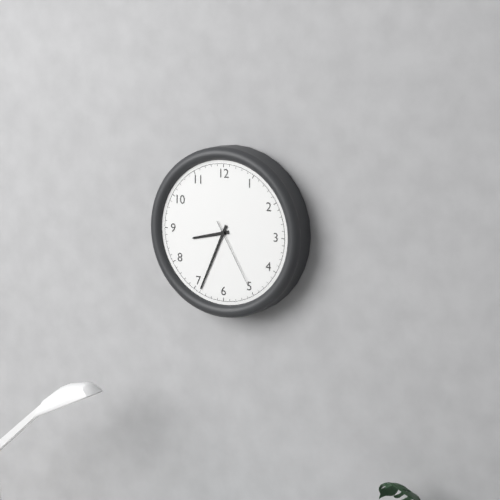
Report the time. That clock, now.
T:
8:34:25
